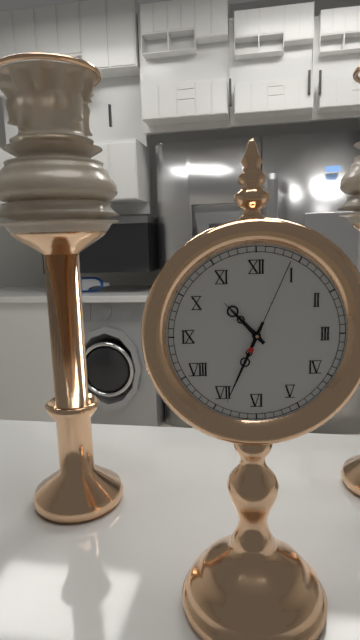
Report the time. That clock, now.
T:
10:34:04
